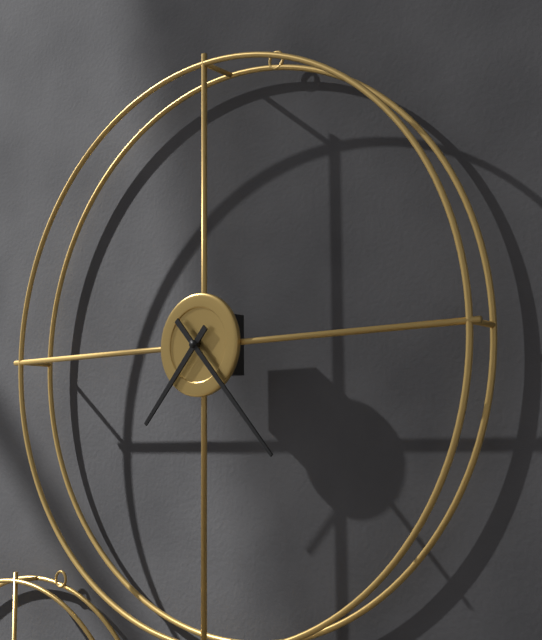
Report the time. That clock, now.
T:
7:23
